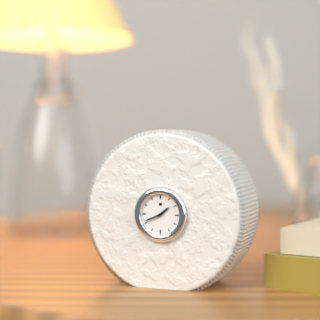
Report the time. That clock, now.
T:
1:41
